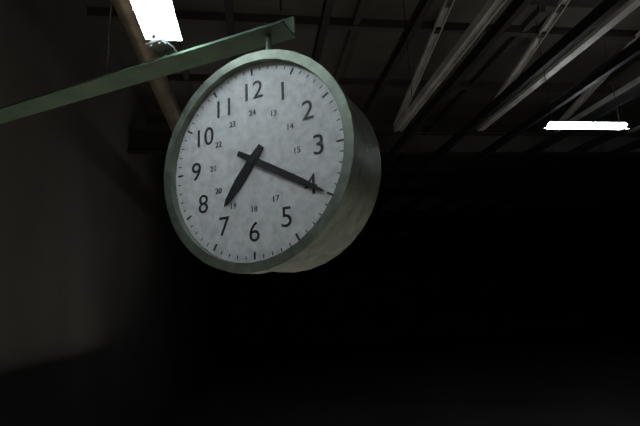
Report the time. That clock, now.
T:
7:20
